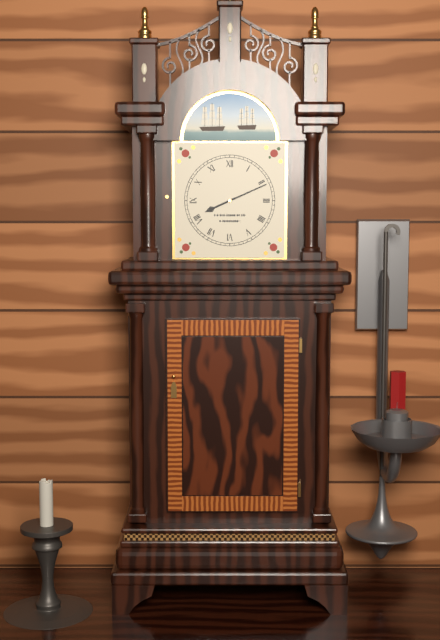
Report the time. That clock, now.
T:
8:11
